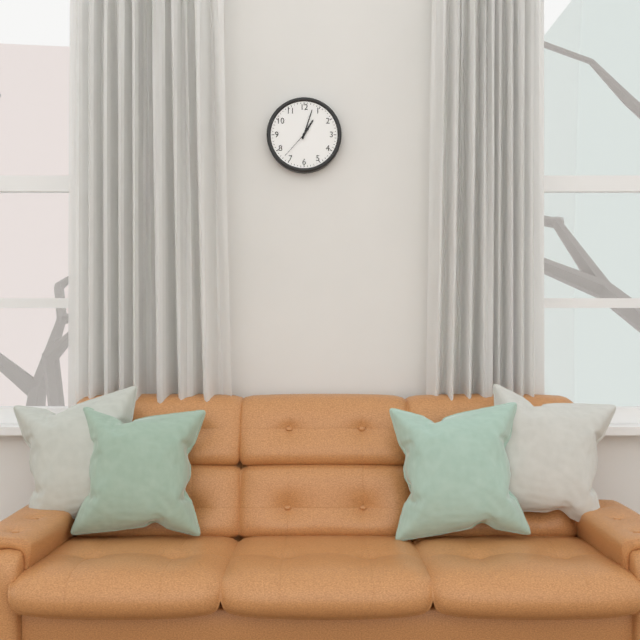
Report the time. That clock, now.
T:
1:03
